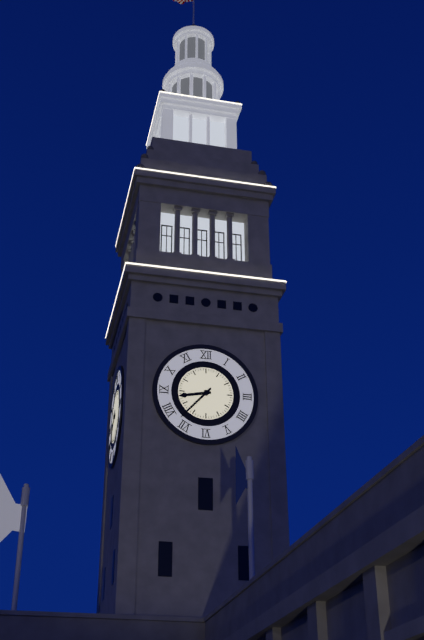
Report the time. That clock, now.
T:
8:37
